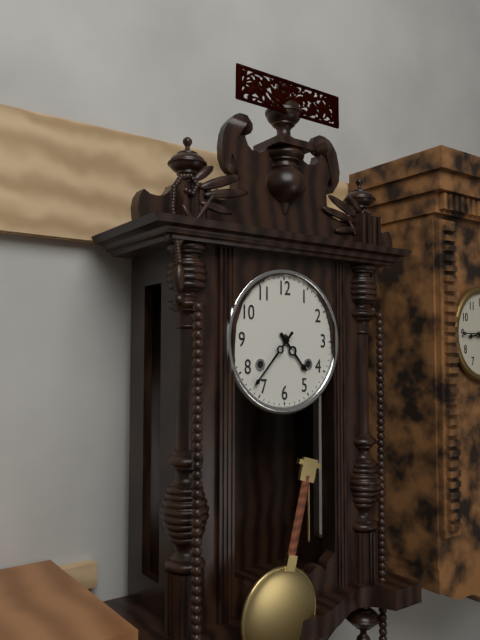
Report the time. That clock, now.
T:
4:37
